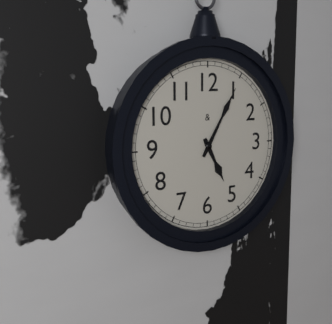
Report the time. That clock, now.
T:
5:05
